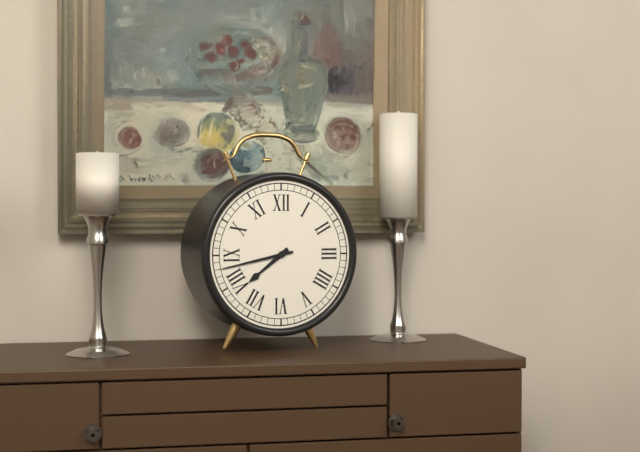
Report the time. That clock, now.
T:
7:43
